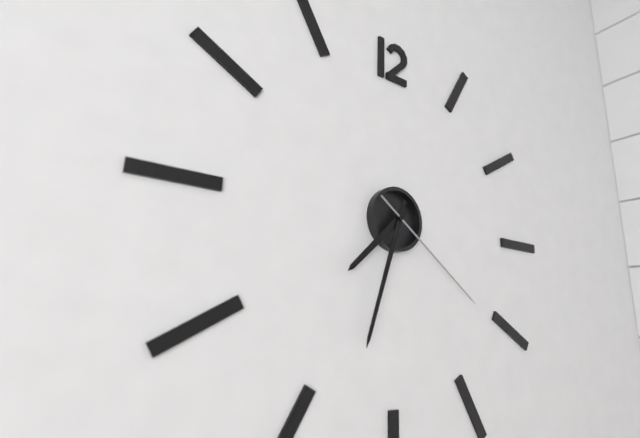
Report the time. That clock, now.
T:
7:33:21
